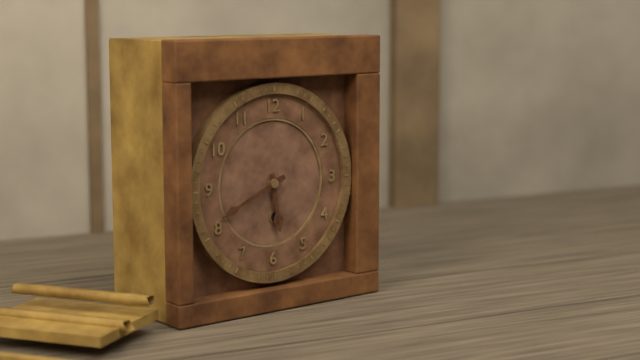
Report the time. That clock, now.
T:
5:41
